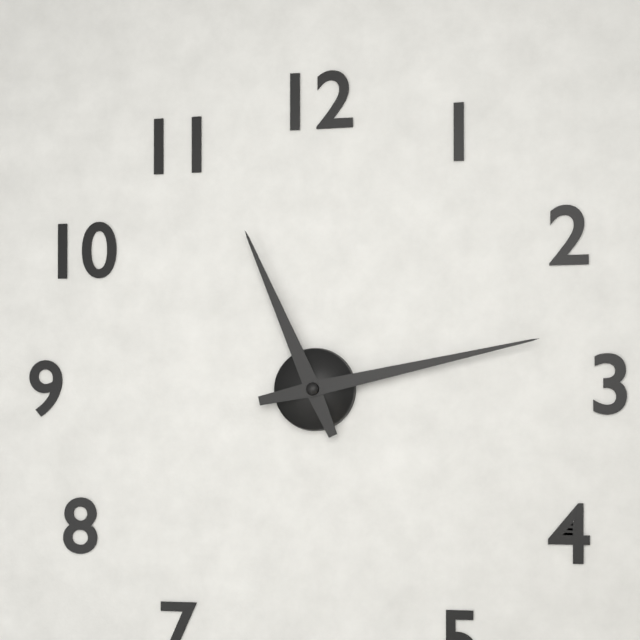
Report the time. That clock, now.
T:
11:13
